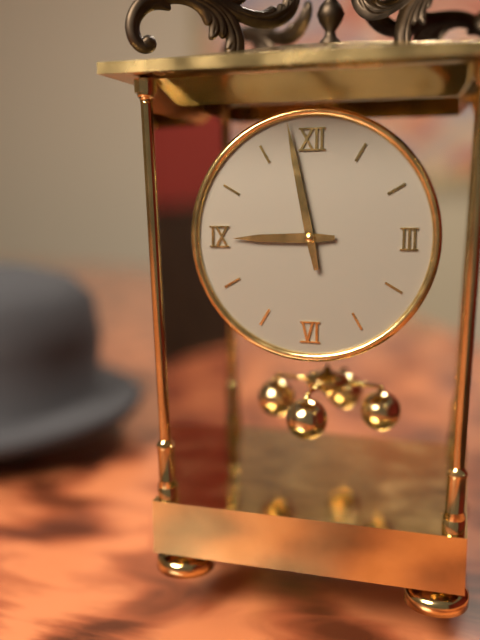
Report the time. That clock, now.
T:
8:58
